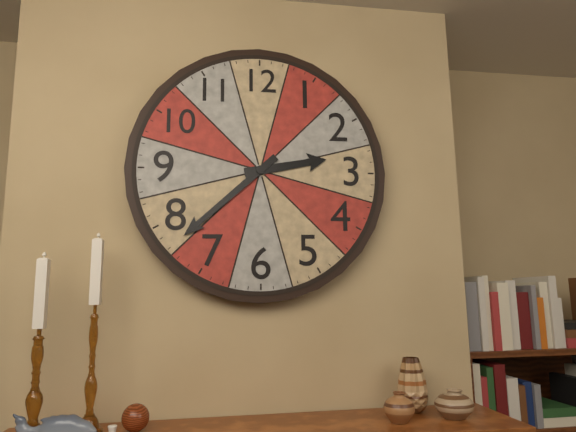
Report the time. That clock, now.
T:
2:38
